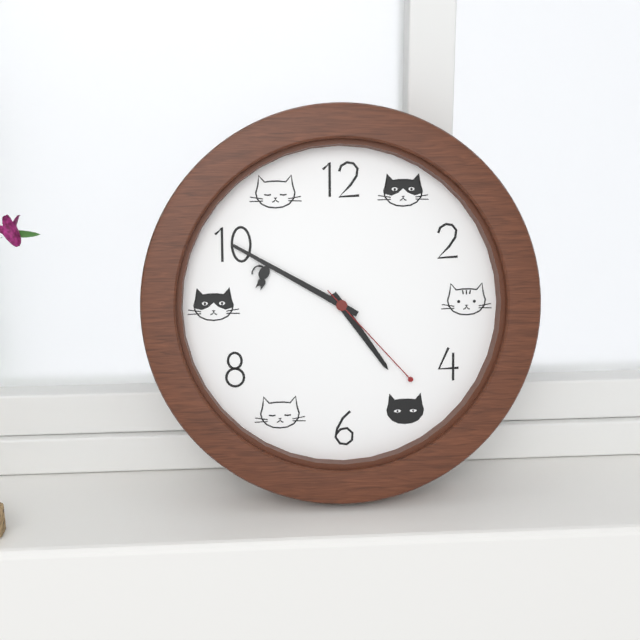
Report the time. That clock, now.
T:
4:50:23
